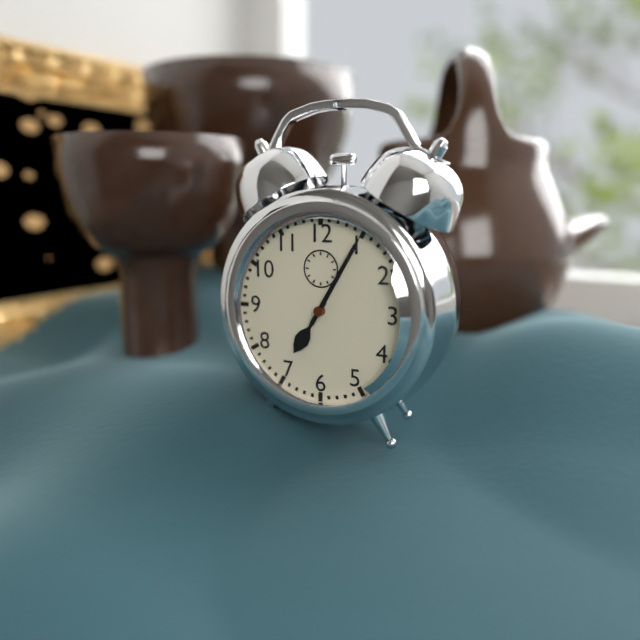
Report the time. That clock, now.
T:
7:05
